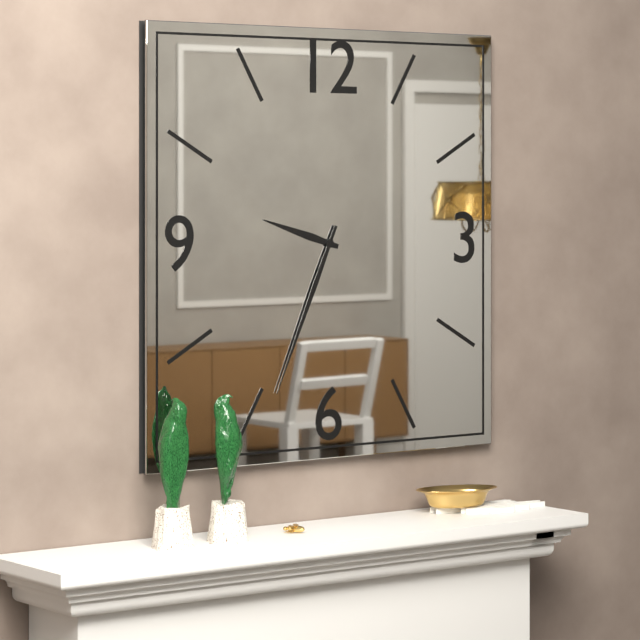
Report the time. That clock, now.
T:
9:34
